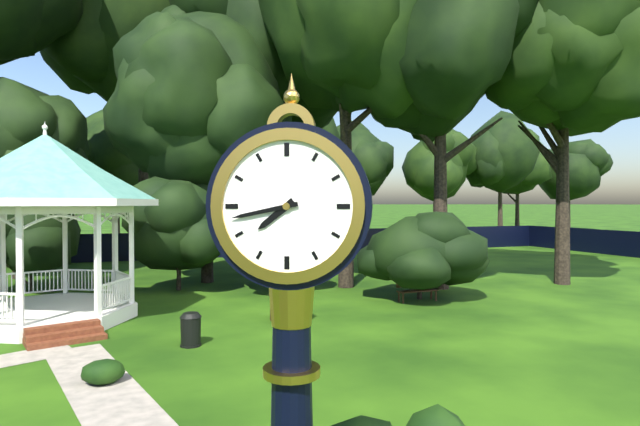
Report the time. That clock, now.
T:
7:43
